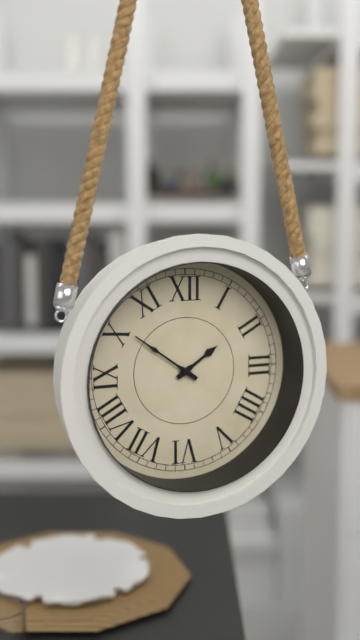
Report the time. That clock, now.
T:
1:51
